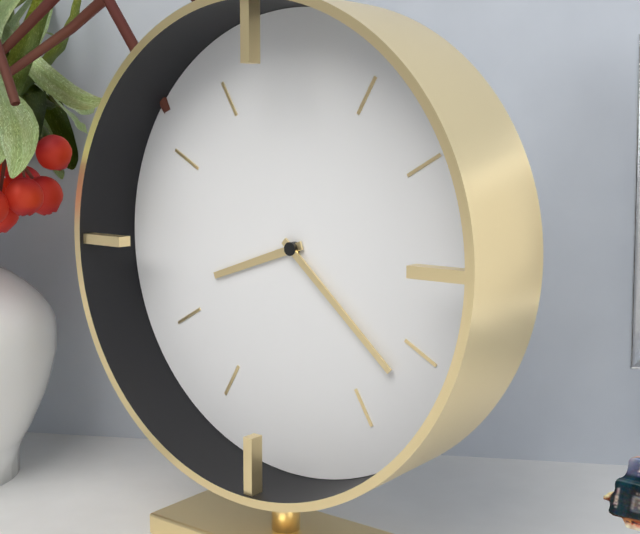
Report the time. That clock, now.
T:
8:22
